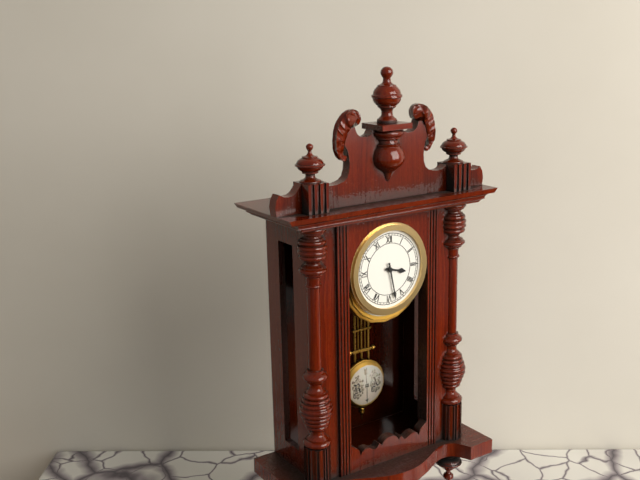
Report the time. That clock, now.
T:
3:28
